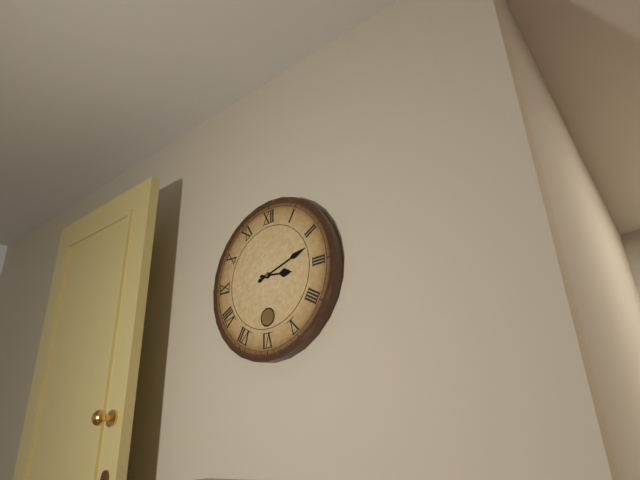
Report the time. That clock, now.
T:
3:12
